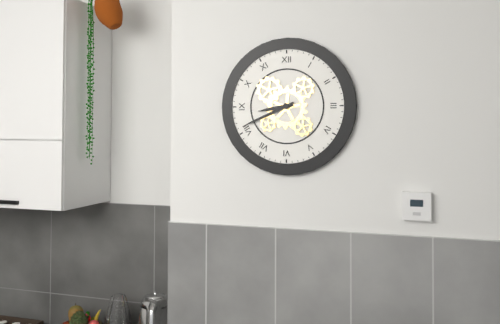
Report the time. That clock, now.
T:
8:41
